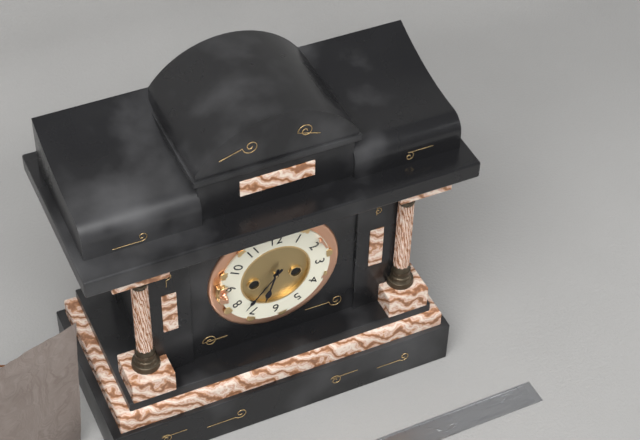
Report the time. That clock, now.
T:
6:37
